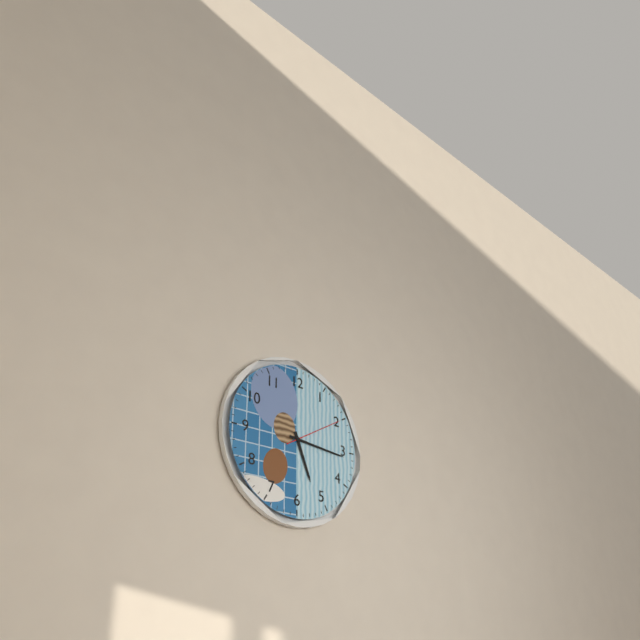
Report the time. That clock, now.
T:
5:16:10
